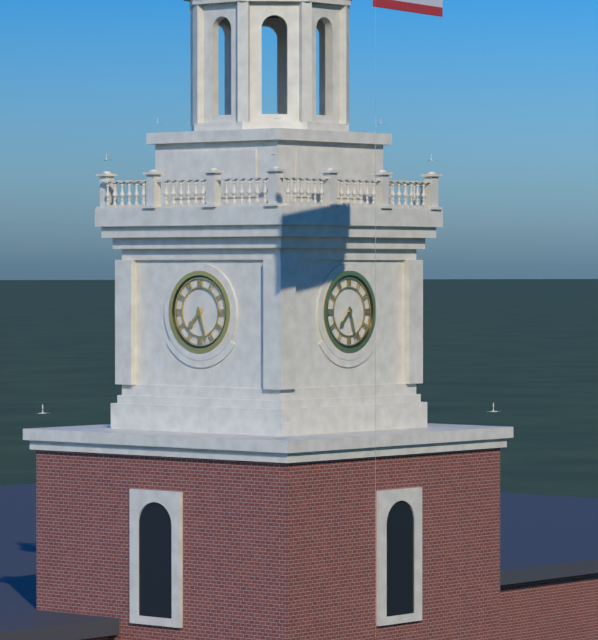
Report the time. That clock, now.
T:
7:27
